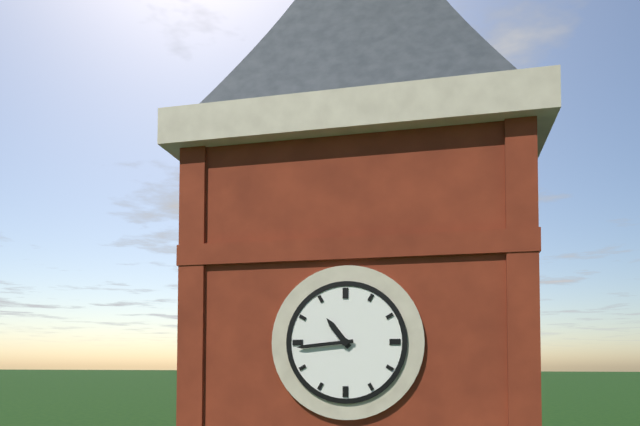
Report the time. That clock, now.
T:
10:44
